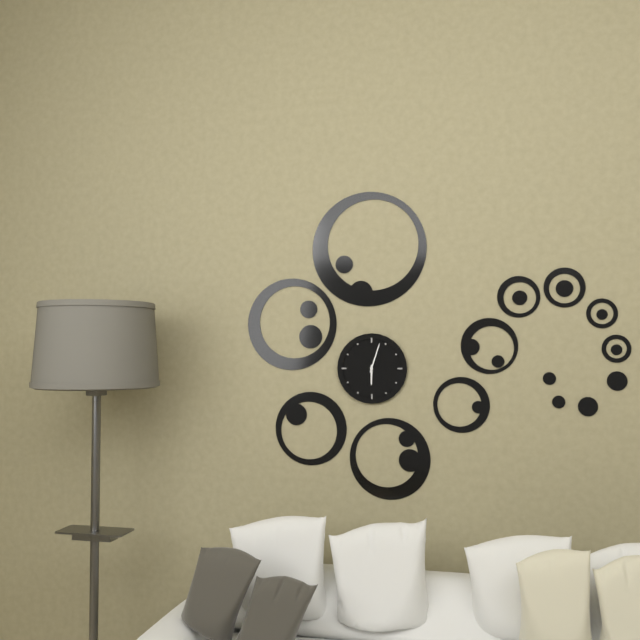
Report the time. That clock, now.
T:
6:03
